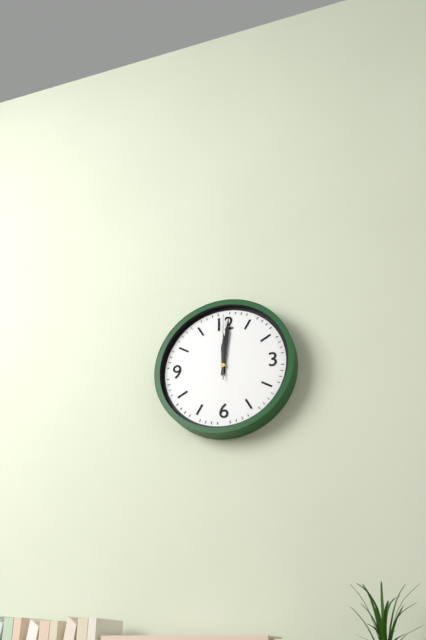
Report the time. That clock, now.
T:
12:01:00
